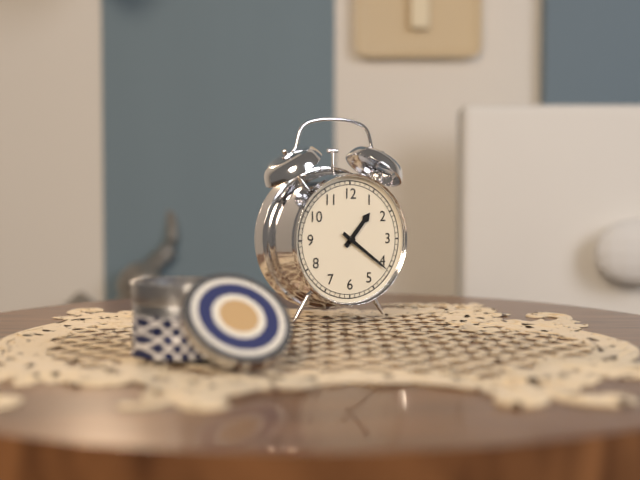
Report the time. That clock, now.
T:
1:21
